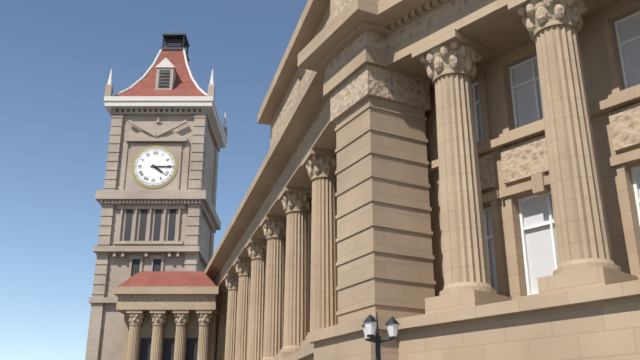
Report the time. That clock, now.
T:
4:15
